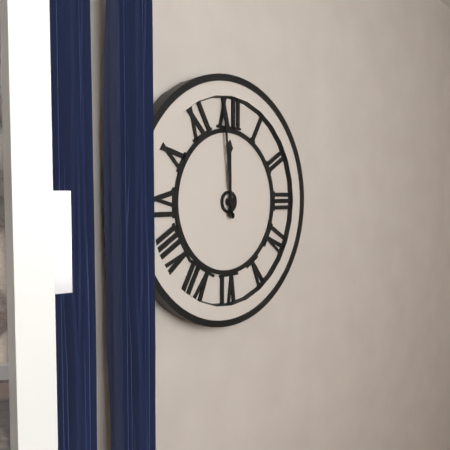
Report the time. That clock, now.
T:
11:59
